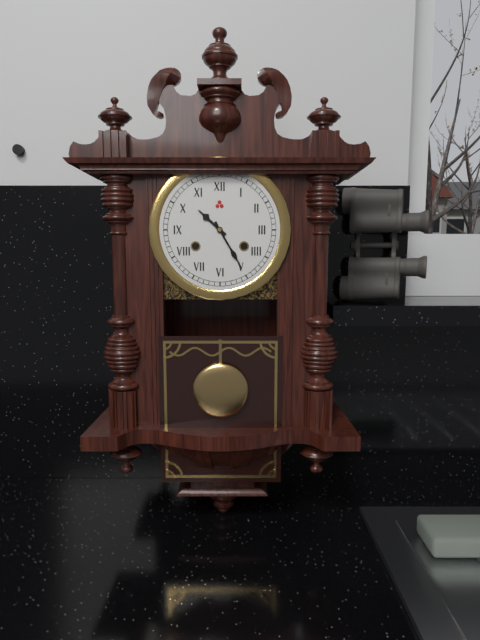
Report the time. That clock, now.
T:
10:25
